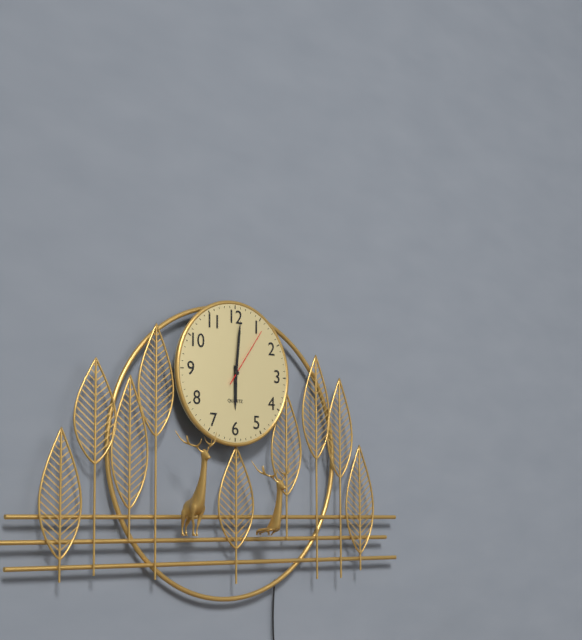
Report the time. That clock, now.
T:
6:01:06
